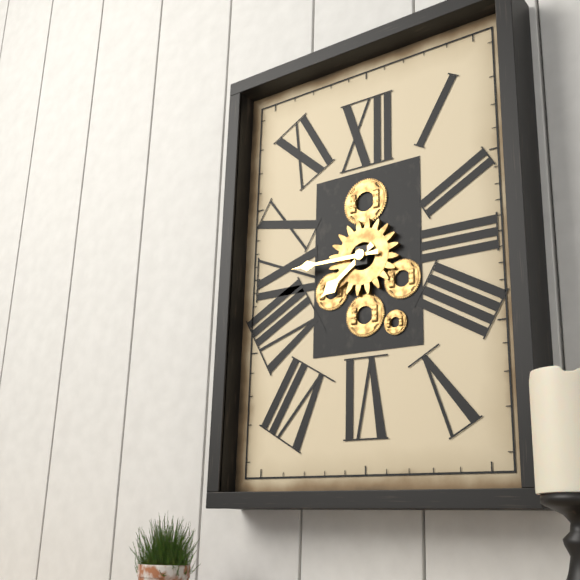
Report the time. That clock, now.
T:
7:45
